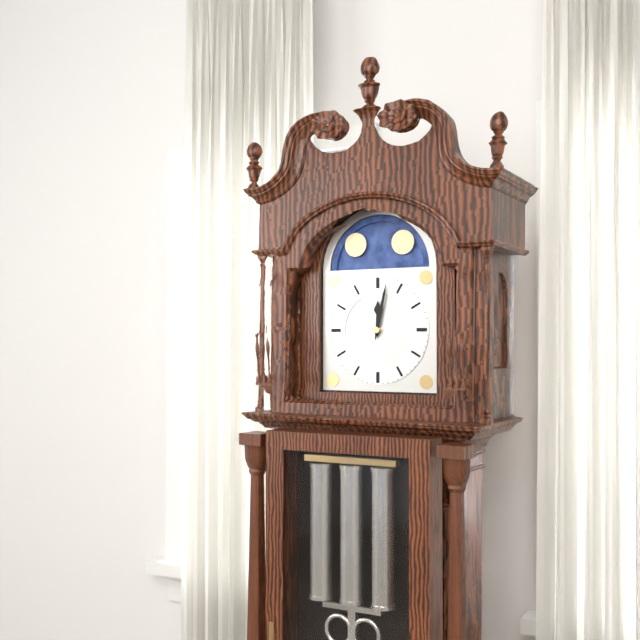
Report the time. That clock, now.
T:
12:02
